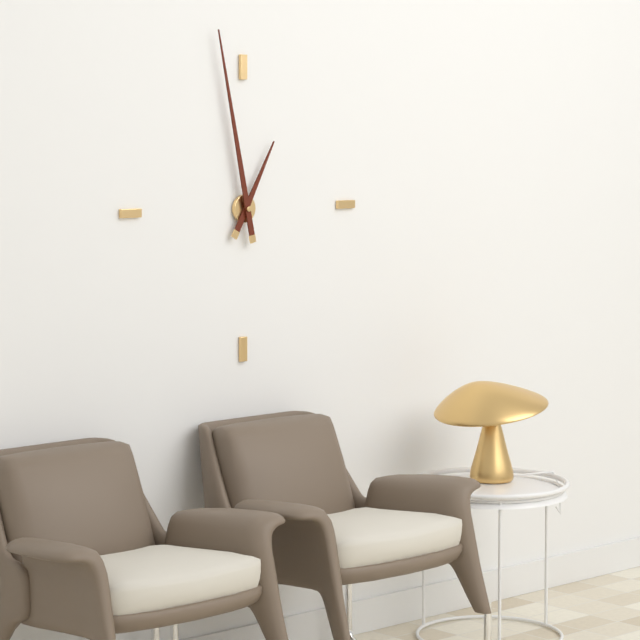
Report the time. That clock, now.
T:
12:58
